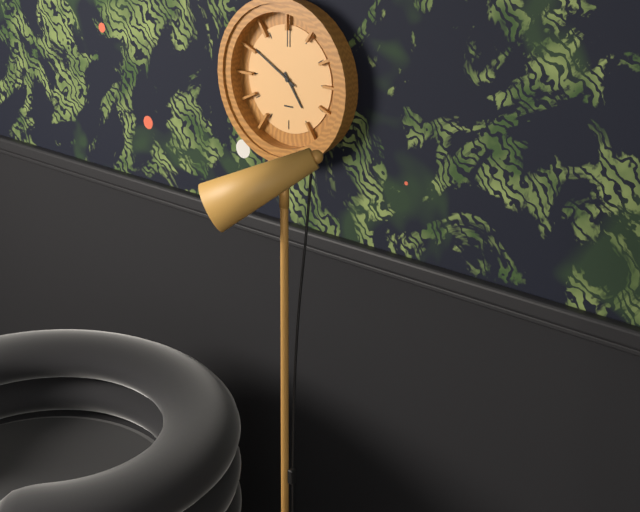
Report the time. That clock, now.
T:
4:50
